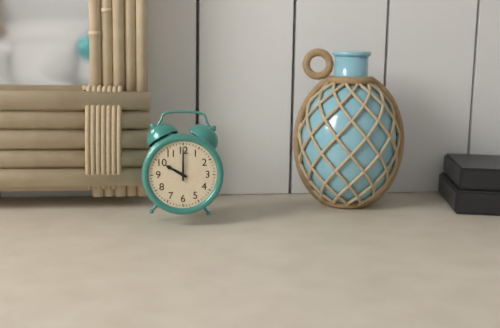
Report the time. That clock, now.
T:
10:00
